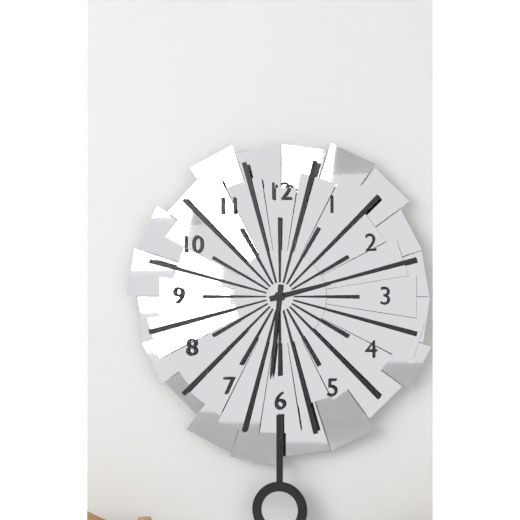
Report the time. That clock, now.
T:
2:31
